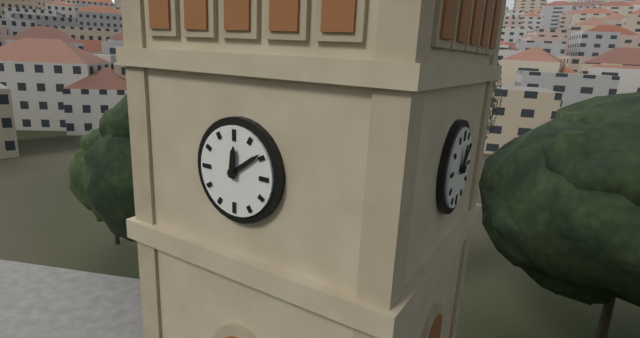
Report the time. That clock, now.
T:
12:09
